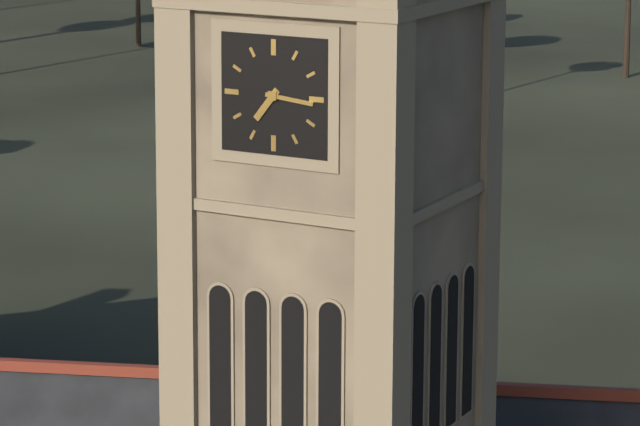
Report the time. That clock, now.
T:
7:16
